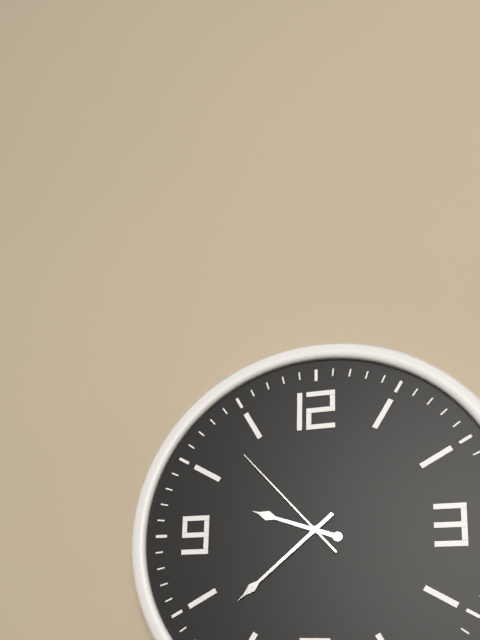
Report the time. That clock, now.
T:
9:38:53
